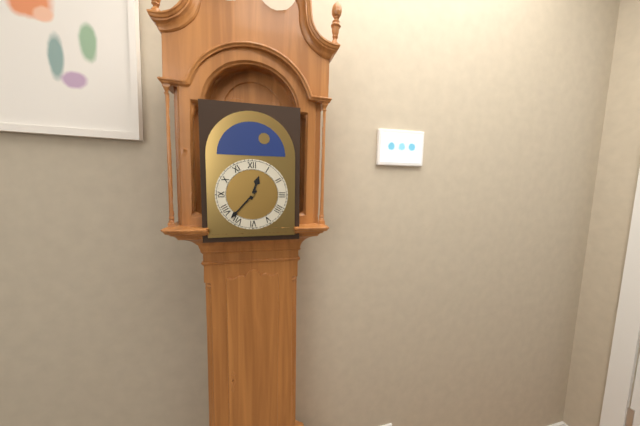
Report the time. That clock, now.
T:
12:37
